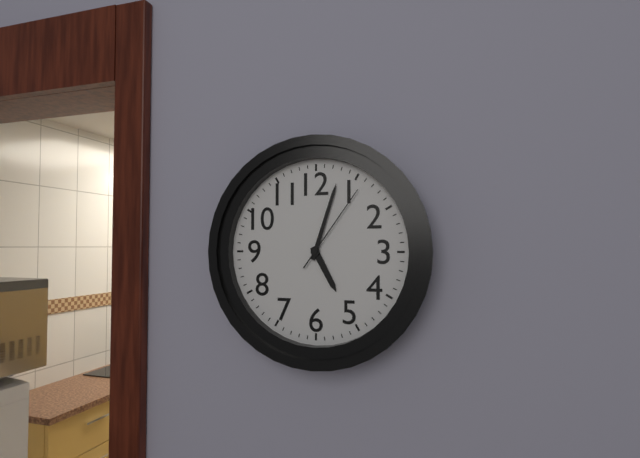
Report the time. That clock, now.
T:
5:03:06
